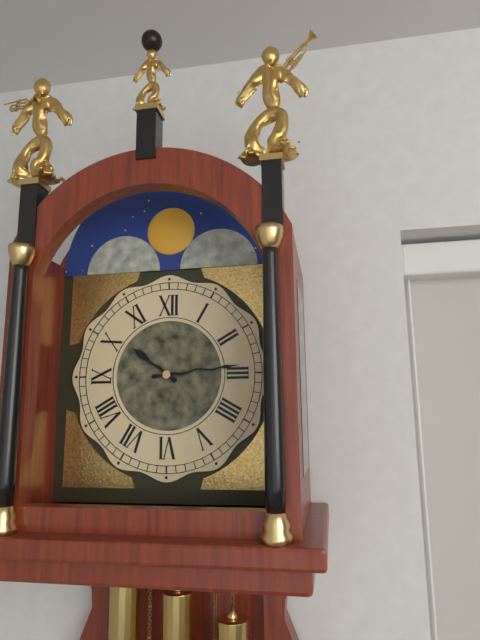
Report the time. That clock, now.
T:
10:14
